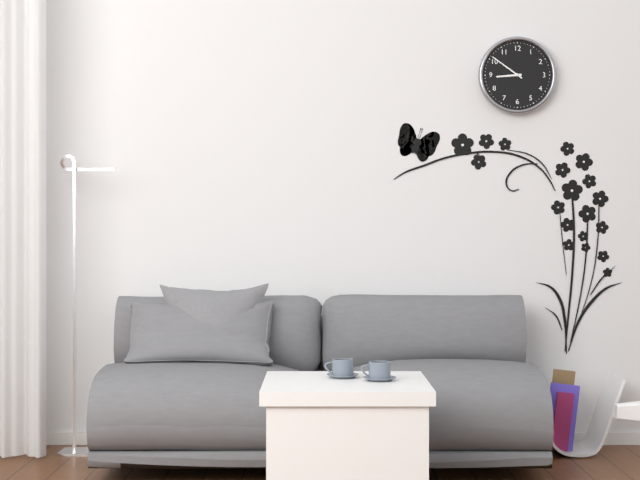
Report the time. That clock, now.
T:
8:51
